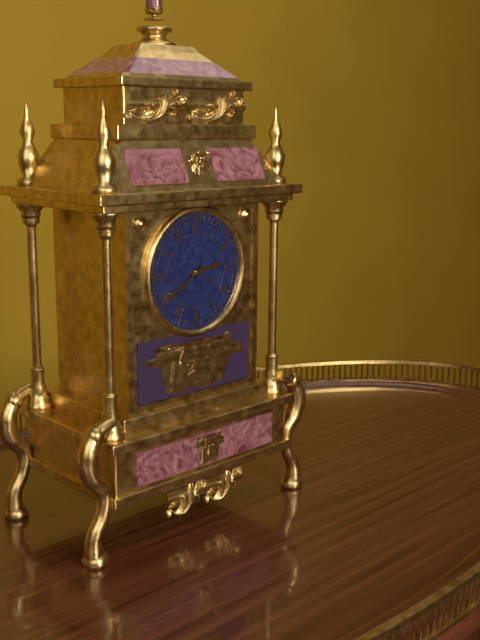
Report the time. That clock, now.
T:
2:40
